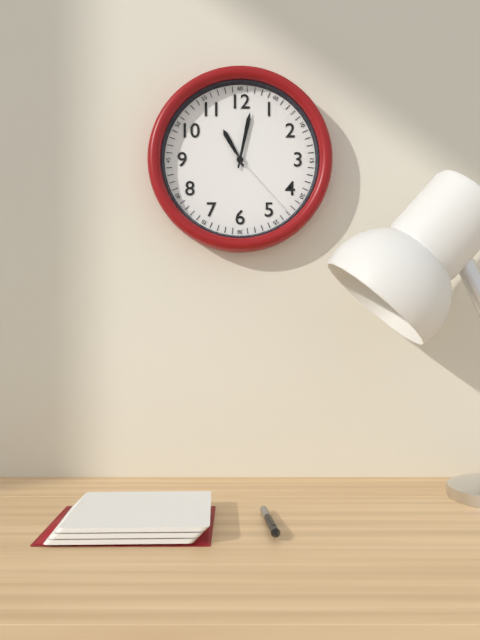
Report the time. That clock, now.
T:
11:02:23
